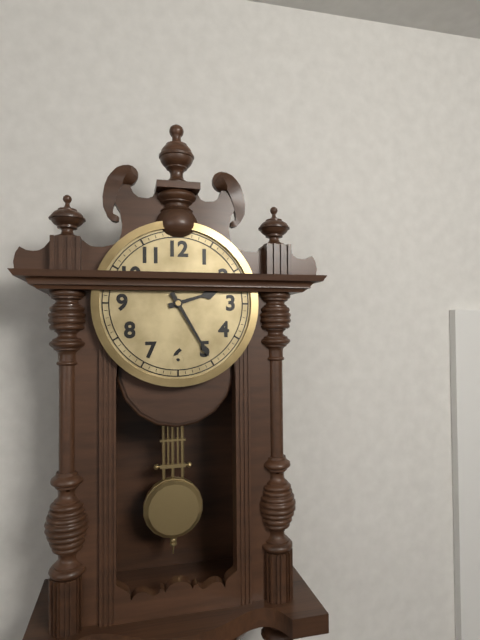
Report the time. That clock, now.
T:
2:25
